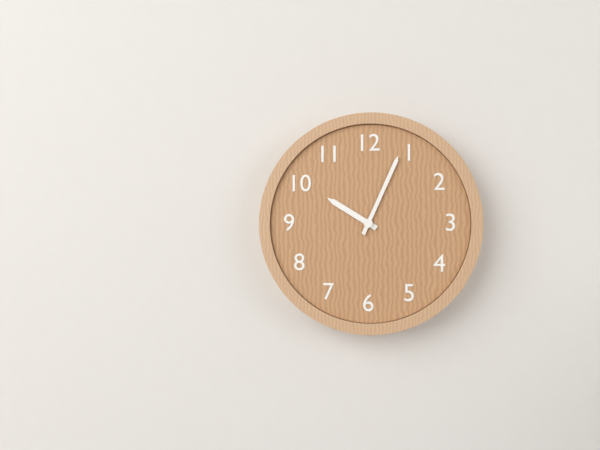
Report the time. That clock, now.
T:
10:04
